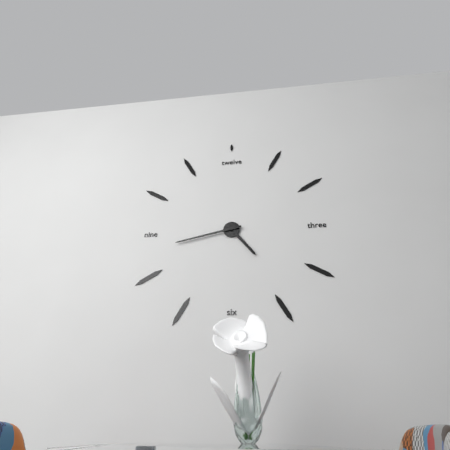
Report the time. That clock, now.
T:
4:43
